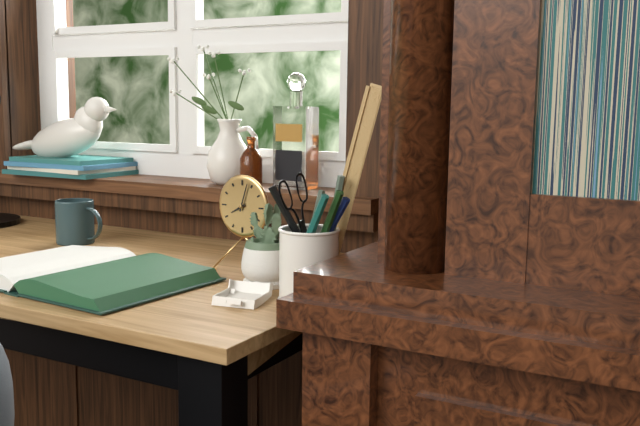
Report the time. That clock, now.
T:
8:03
